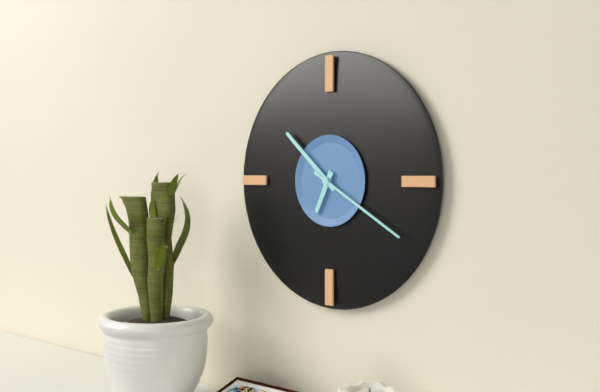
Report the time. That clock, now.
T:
6:52:20
